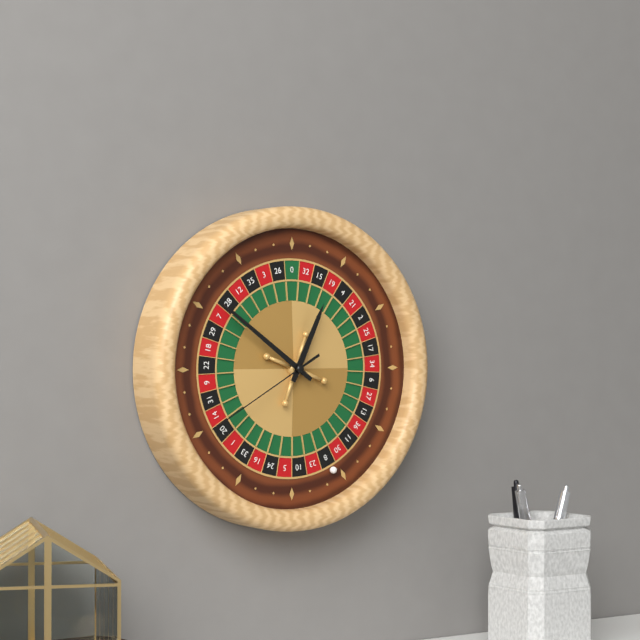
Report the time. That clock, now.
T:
12:51:40
